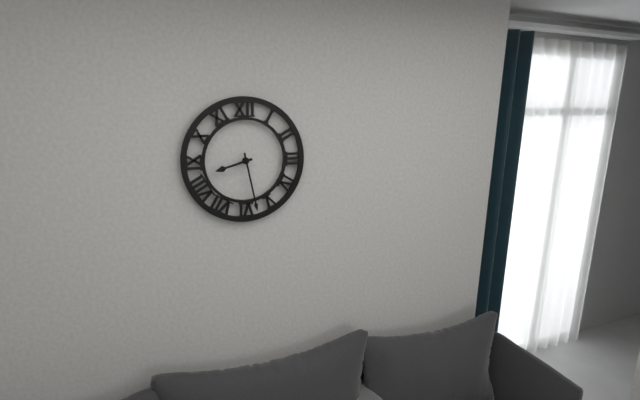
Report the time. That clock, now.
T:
8:28
